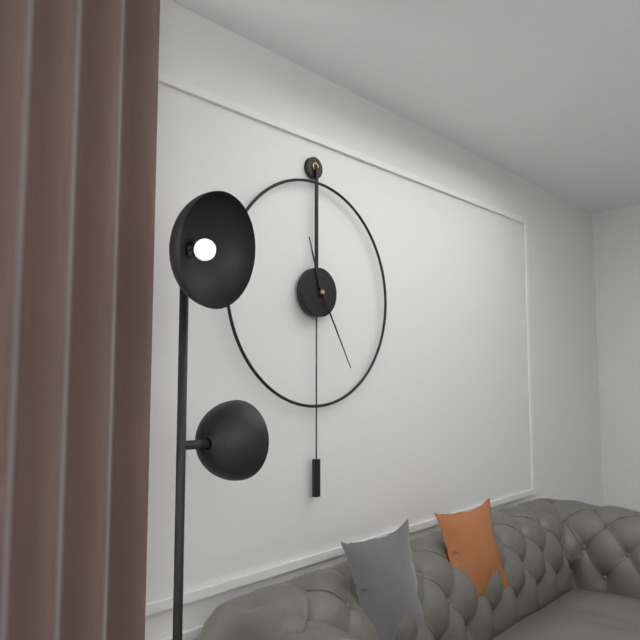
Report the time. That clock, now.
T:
11:25
